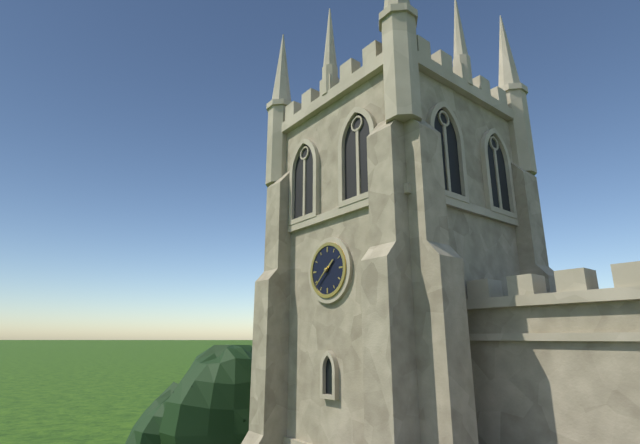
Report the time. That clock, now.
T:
1:38
